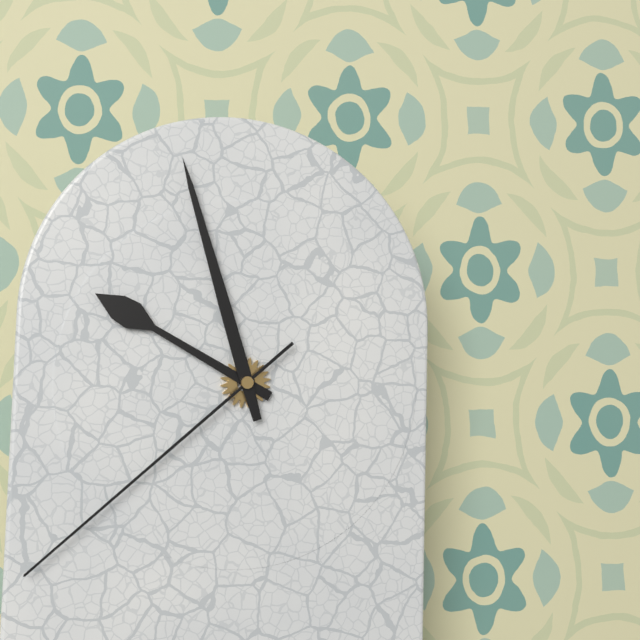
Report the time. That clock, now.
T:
9:57:38
